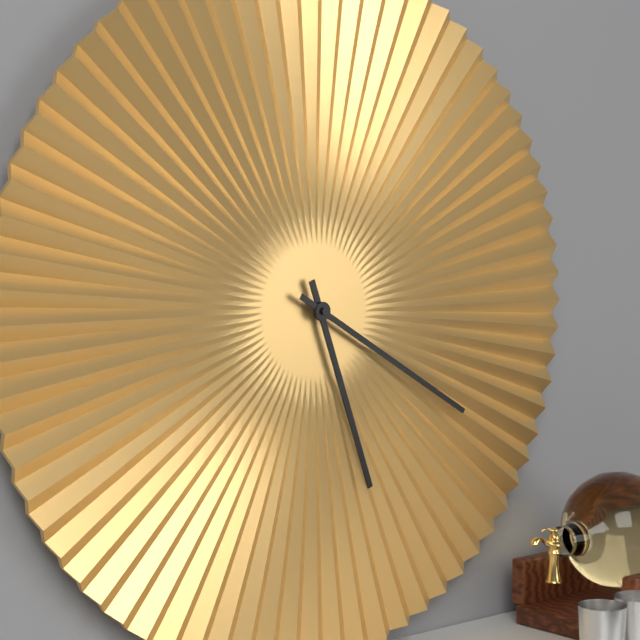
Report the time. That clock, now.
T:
5:20
